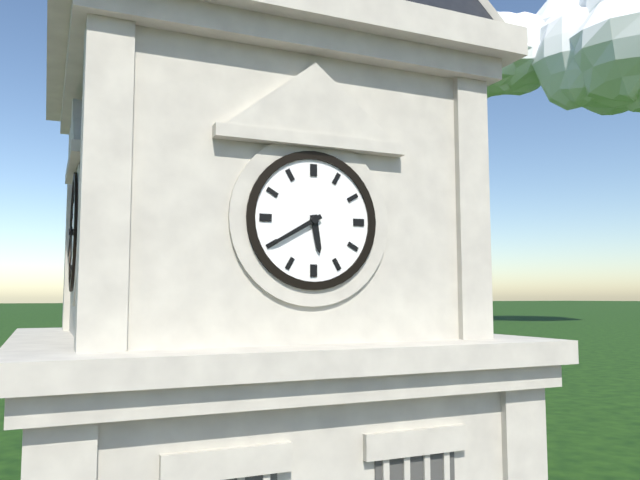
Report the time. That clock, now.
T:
5:40
